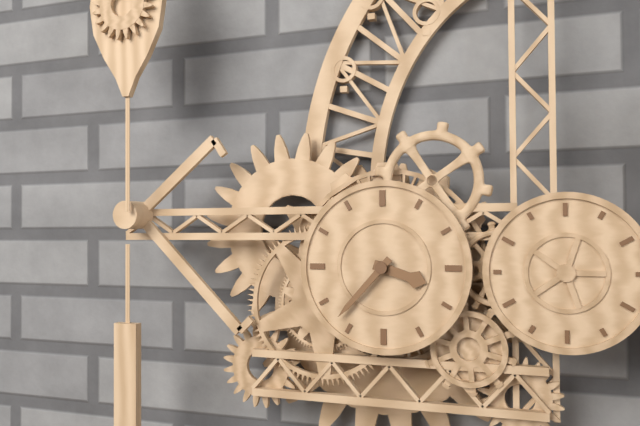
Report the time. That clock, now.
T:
3:37
